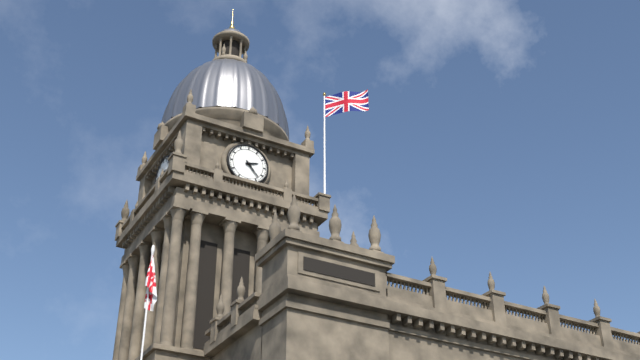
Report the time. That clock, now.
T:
2:23
